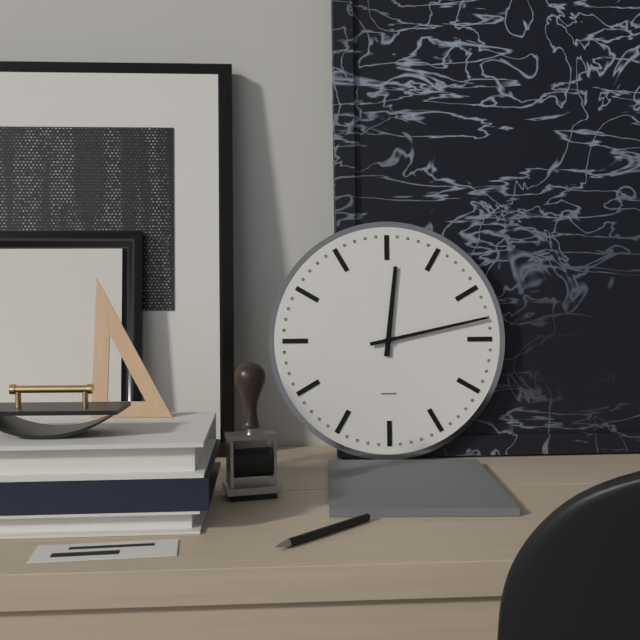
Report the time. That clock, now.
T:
12:13
